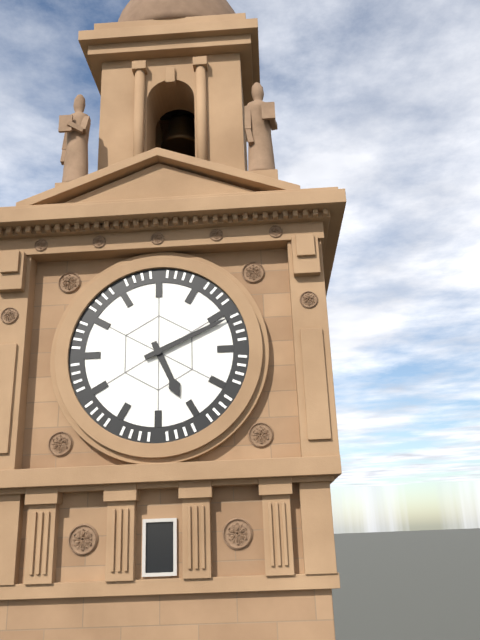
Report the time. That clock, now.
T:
5:11
